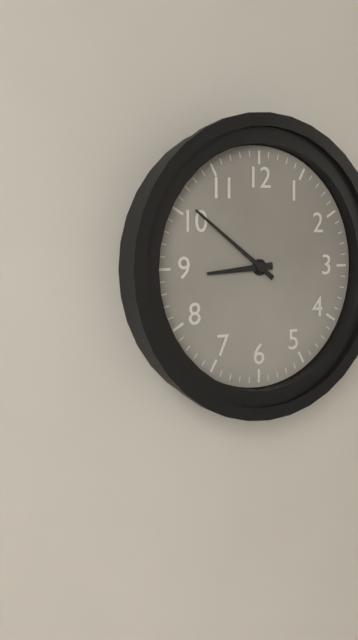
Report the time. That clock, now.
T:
8:51
